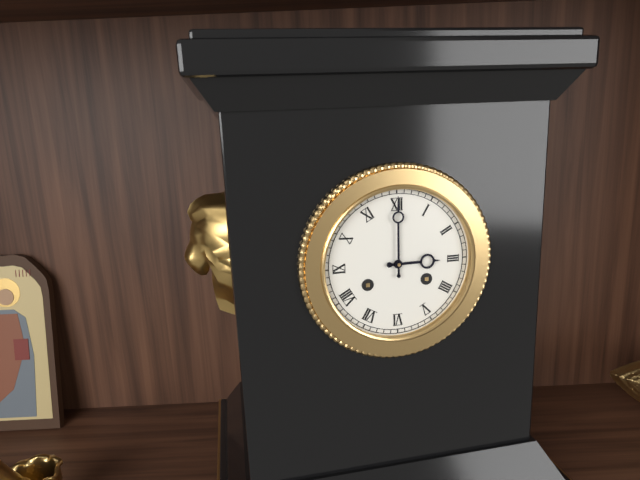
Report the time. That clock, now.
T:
3:00
